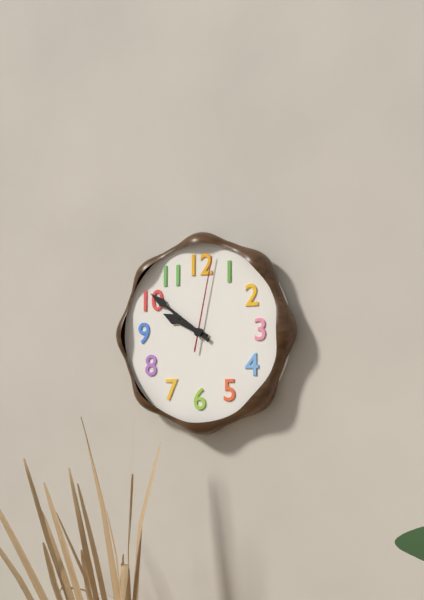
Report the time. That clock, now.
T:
9:51:02
